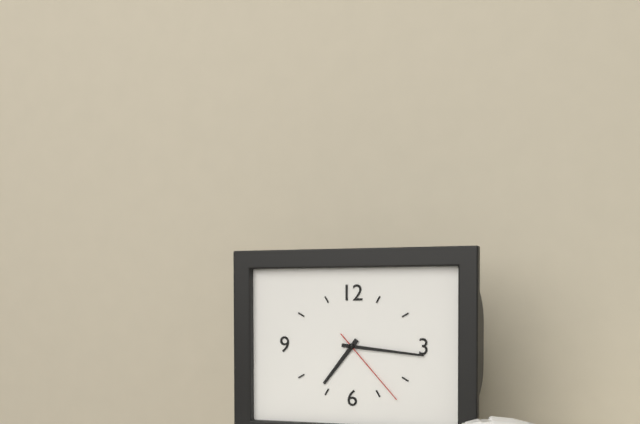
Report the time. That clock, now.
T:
7:16:23
